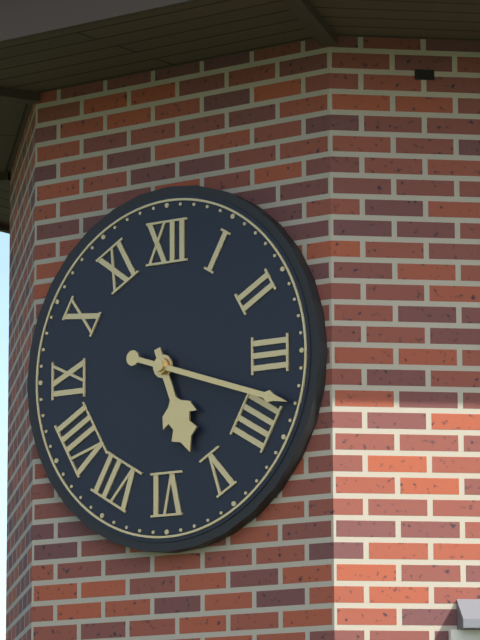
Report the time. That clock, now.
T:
5:18
